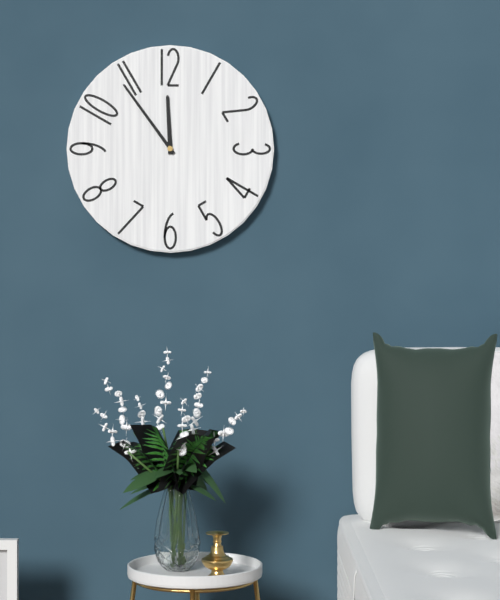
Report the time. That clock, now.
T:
11:54
